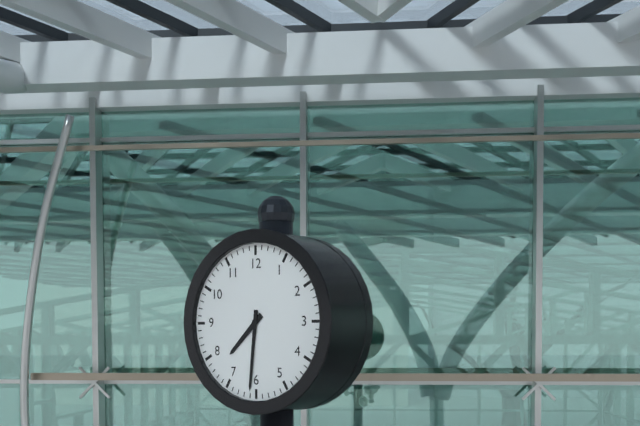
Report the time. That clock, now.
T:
7:31
